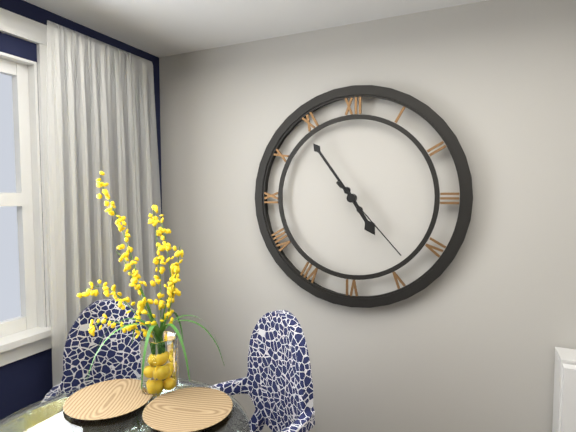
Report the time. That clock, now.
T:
4:54:23
